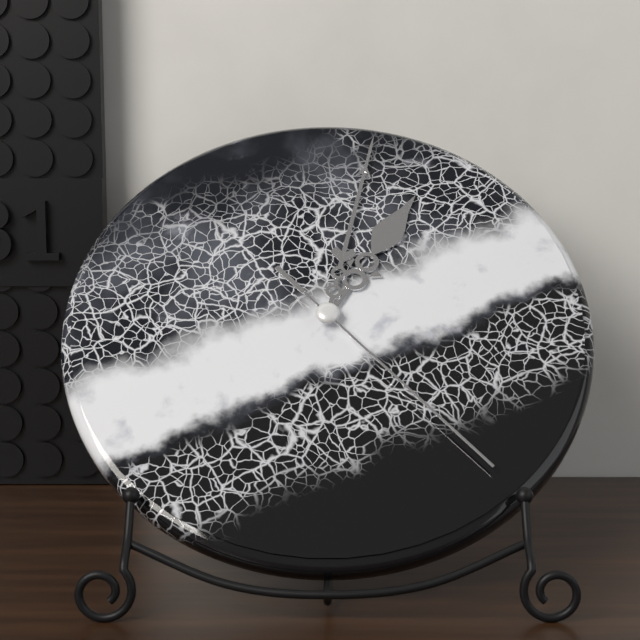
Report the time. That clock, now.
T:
1:02:23
